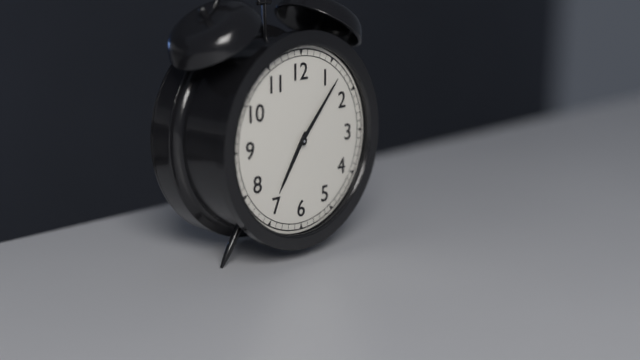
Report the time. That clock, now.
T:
7:07
